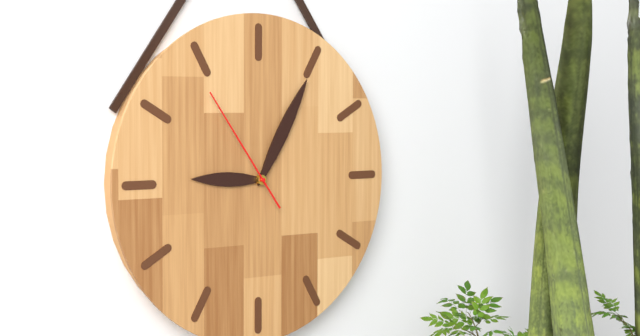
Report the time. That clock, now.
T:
9:05:54
